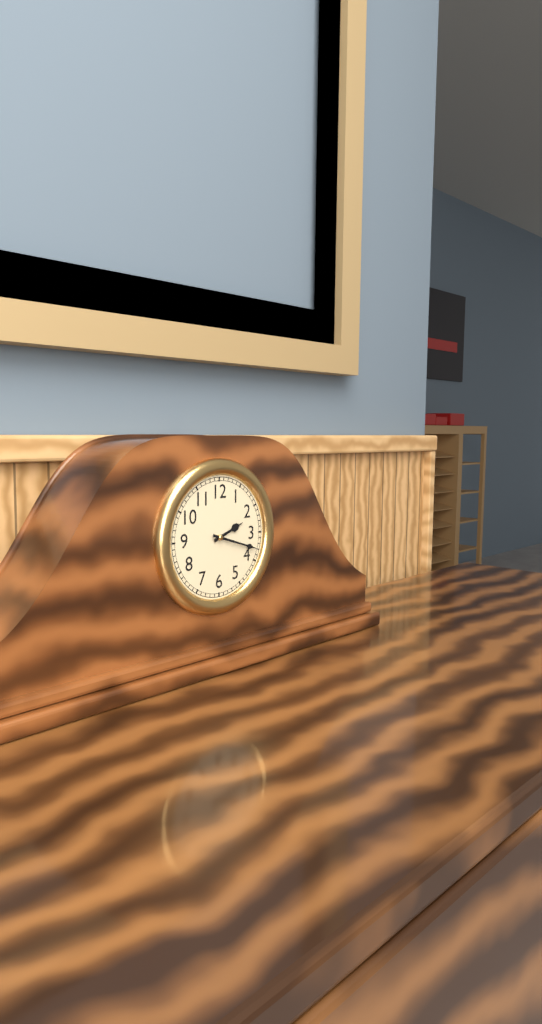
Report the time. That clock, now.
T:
2:18
